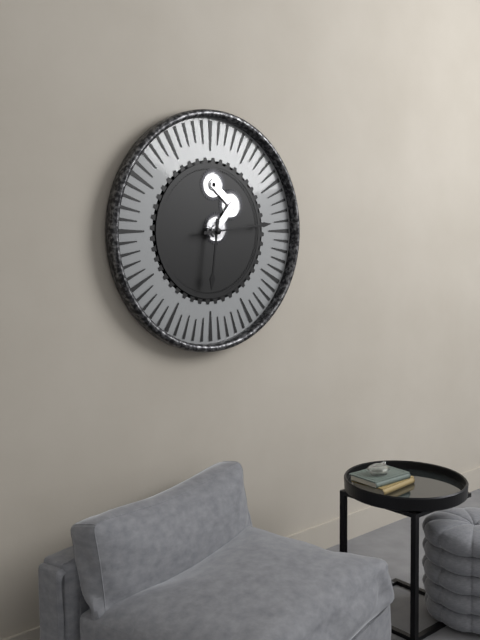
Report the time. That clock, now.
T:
6:14
